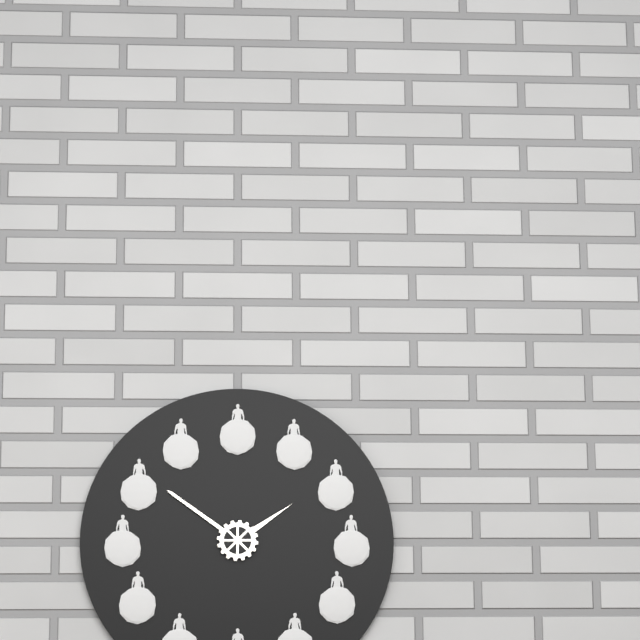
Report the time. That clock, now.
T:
1:51
